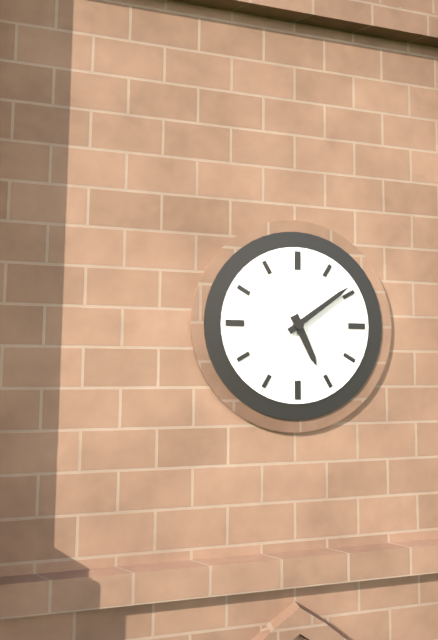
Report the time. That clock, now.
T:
5:09
